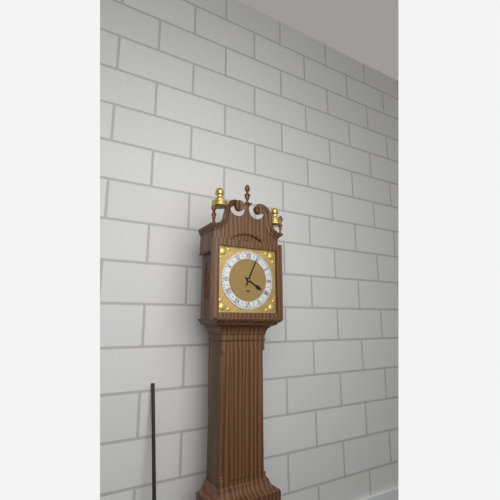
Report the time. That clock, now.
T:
4:04
